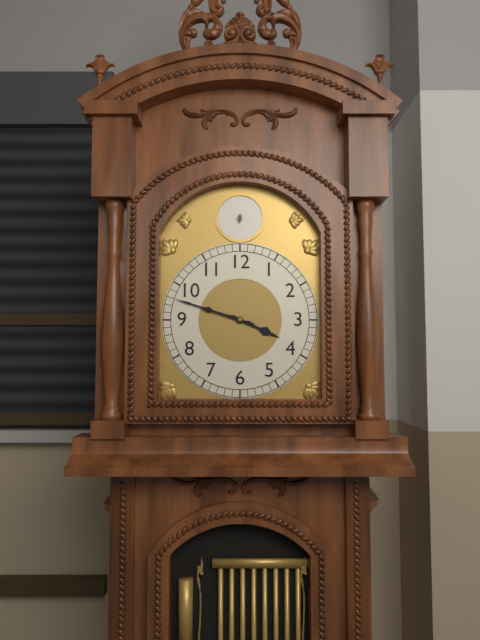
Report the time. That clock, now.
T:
3:48
